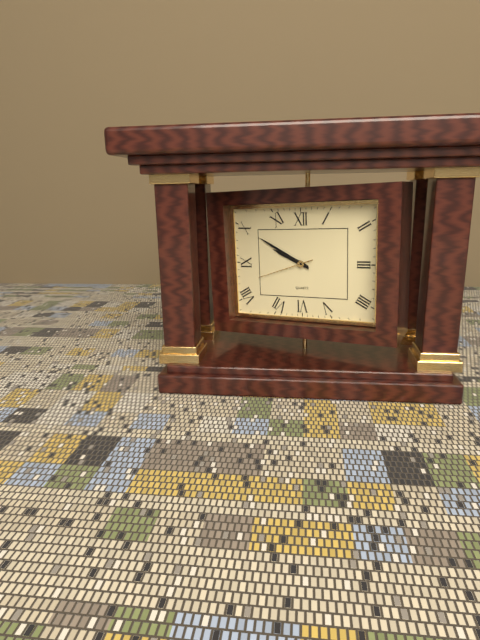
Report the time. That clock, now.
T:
9:50:42
